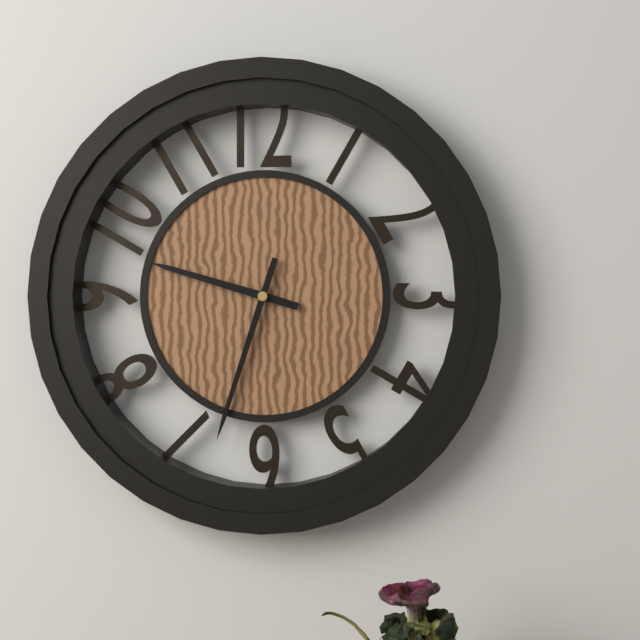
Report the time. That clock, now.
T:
9:33
